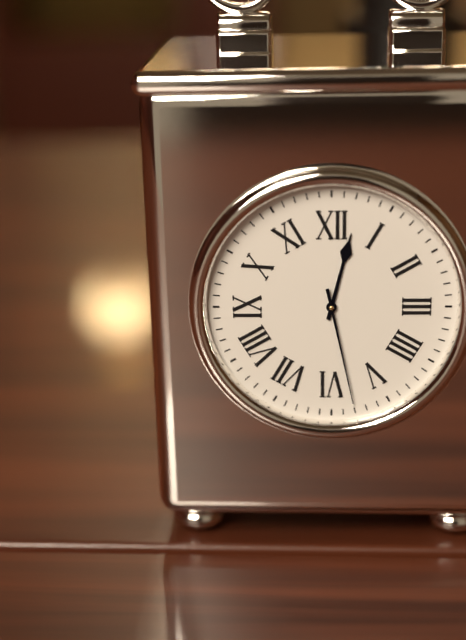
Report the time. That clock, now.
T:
12:28
